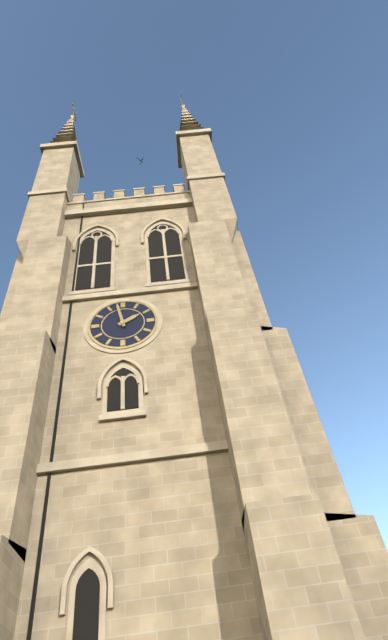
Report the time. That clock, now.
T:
1:58
